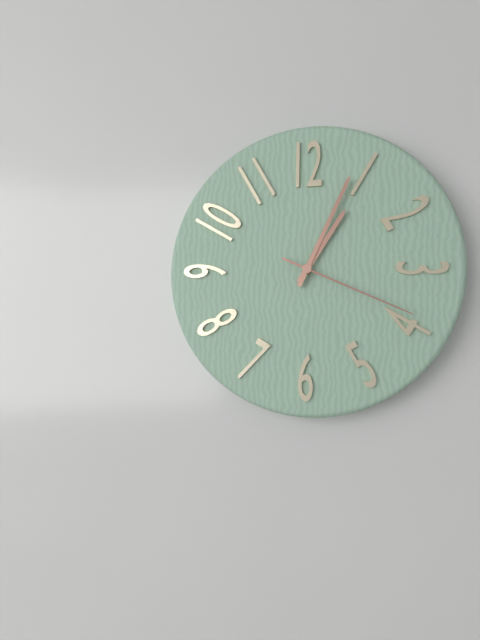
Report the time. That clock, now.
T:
1:04:19
